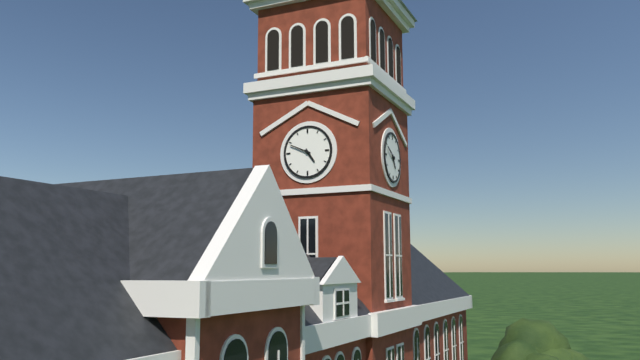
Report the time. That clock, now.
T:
4:49
